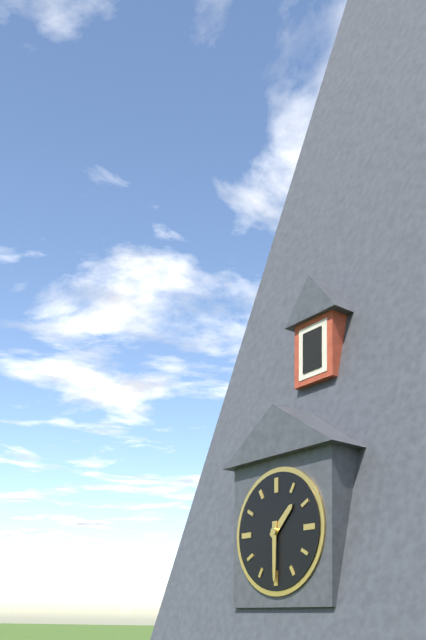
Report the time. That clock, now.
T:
1:30
